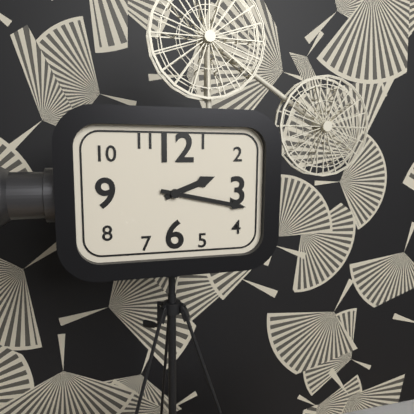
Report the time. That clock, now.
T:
2:17
